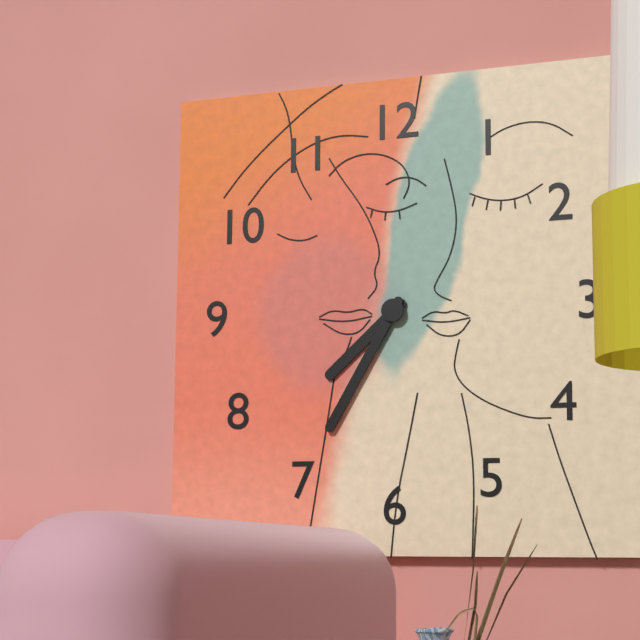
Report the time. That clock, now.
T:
7:35
